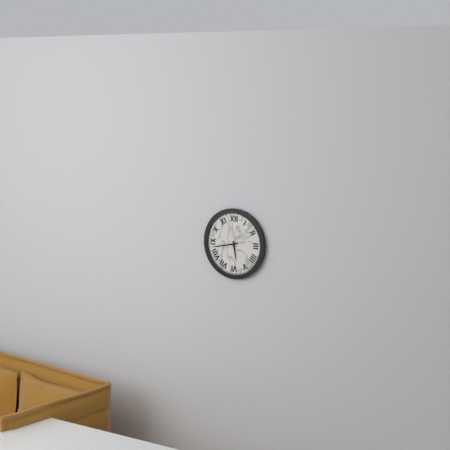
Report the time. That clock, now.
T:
5:43
